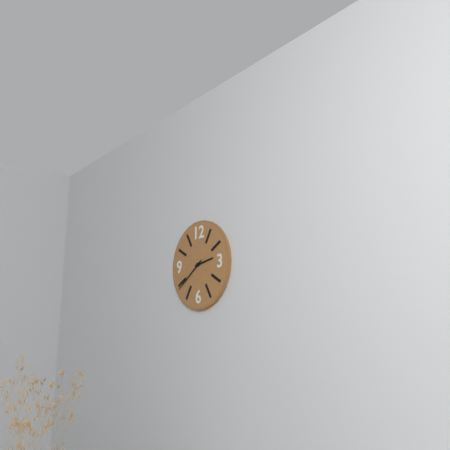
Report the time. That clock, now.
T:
2:39
